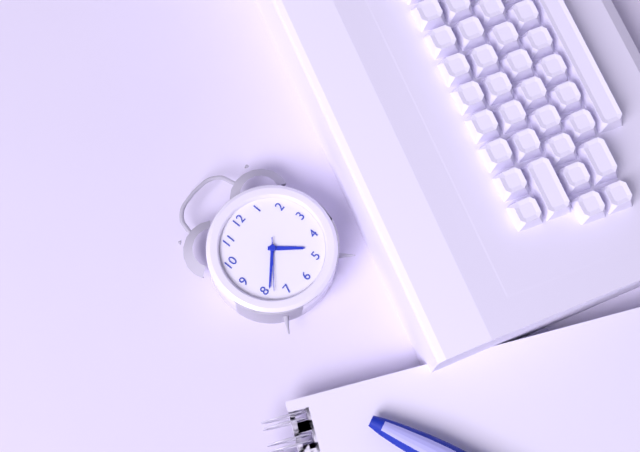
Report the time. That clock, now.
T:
4:39:38
